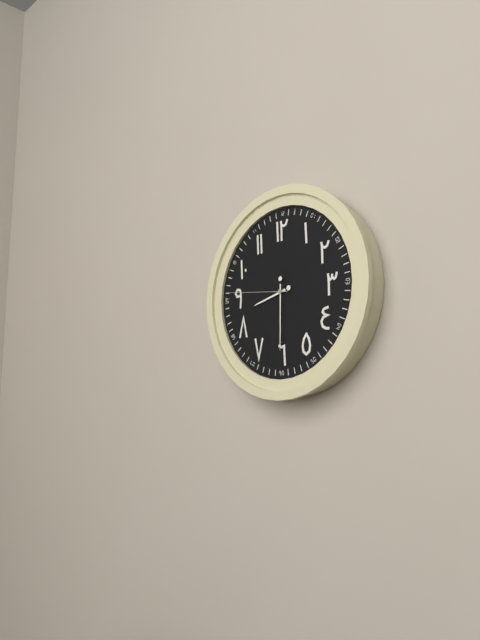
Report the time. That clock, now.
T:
8:30:46
